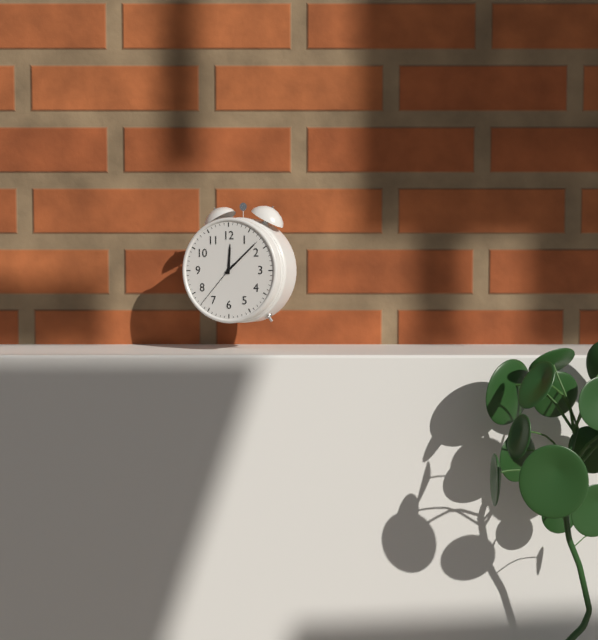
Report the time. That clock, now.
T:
12:08:37
